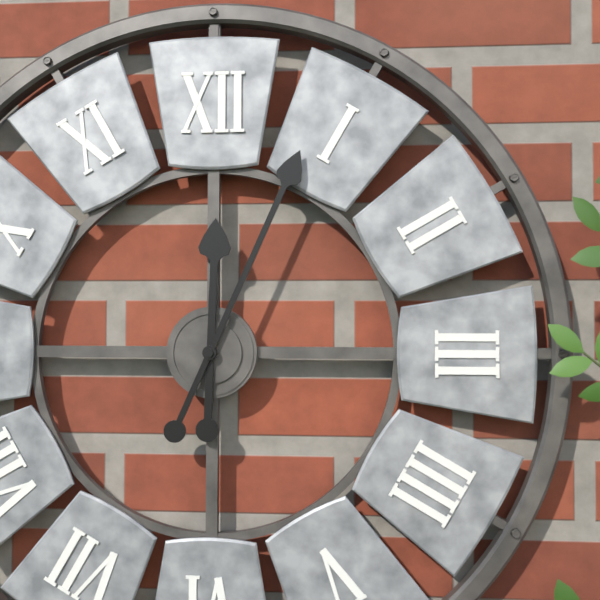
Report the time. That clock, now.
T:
12:04
